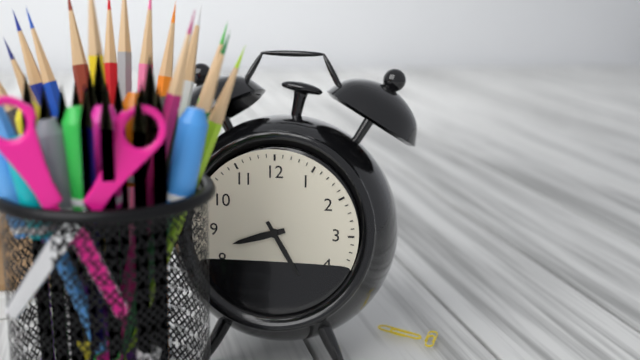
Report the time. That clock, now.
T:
8:25
